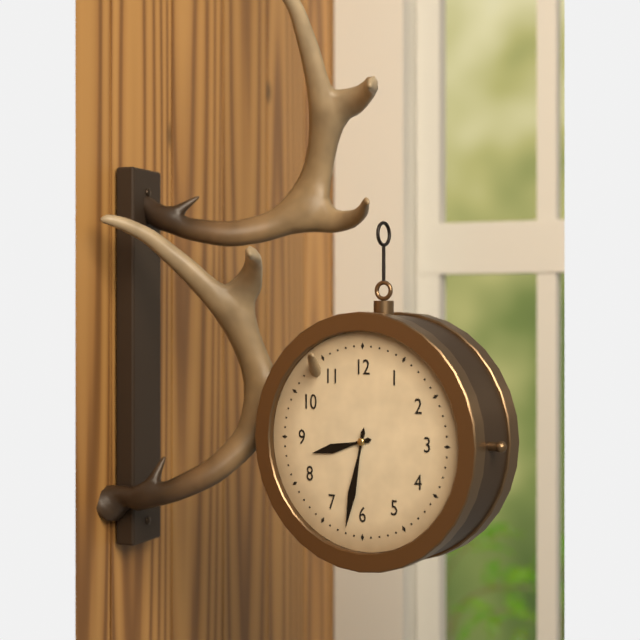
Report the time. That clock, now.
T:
8:32
